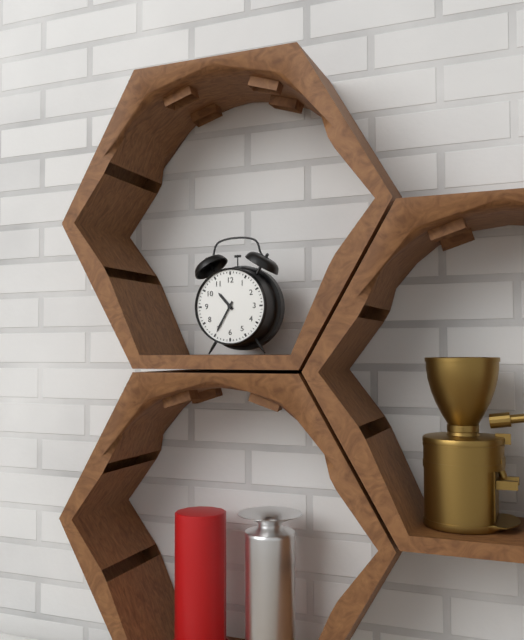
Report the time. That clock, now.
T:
10:35
